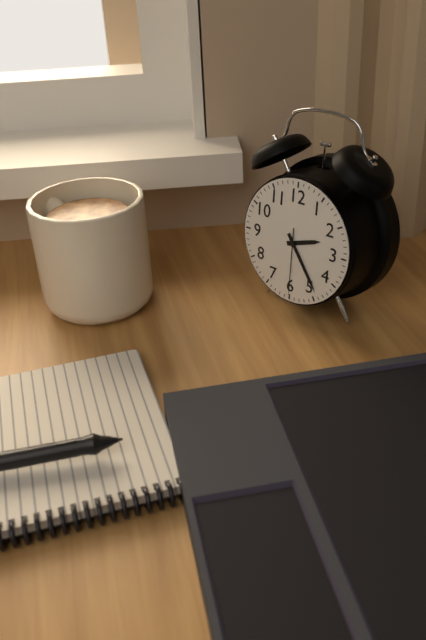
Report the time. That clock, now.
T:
2:24:30
